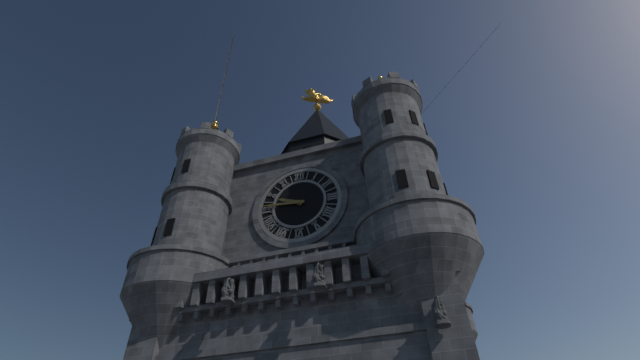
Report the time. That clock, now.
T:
9:46
